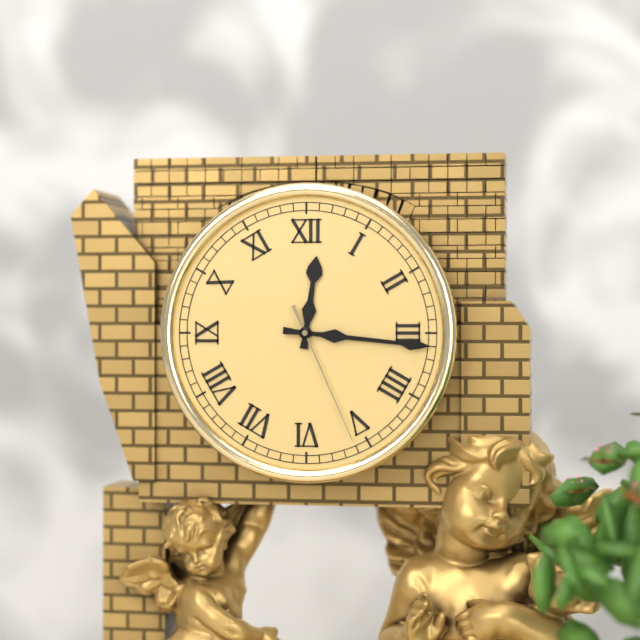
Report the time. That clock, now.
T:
12:16:26
